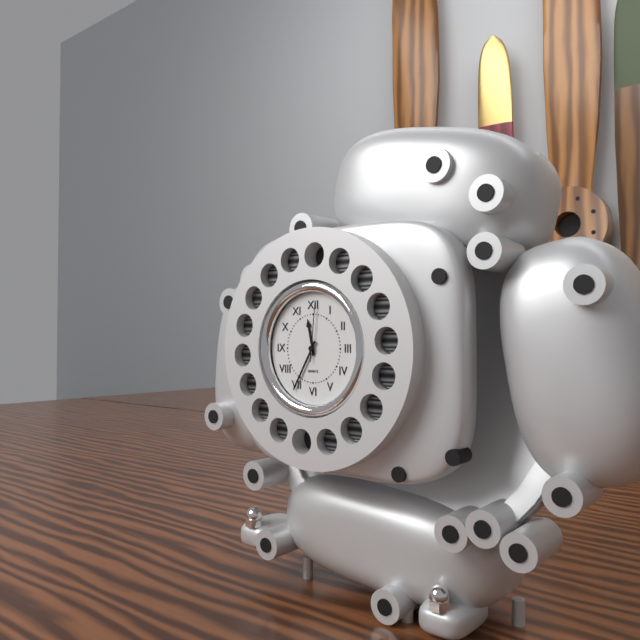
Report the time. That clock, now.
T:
11:35:01
